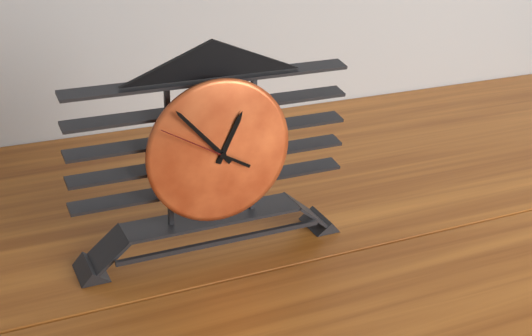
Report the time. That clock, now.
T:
12:53:50
